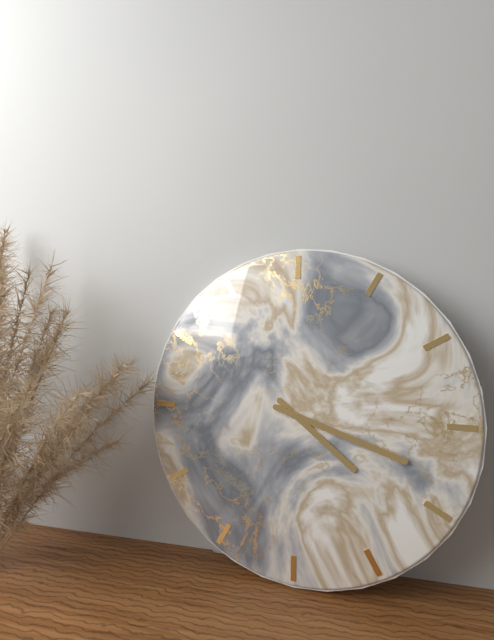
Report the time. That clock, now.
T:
4:18
